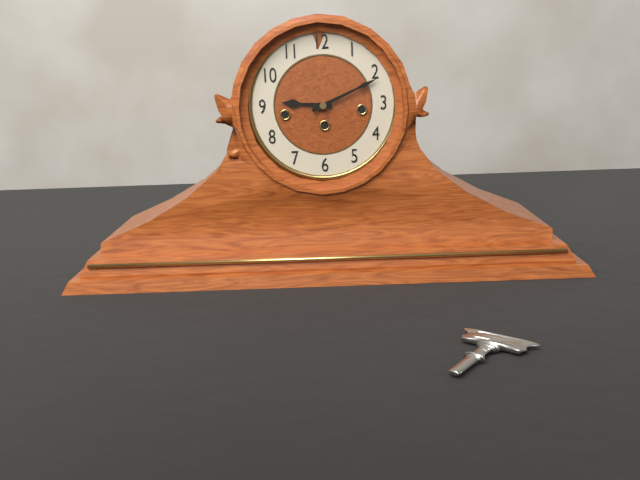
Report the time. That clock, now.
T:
9:11
